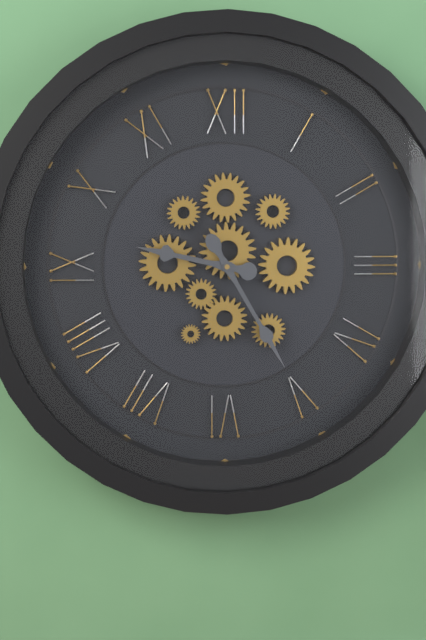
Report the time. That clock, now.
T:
9:25
